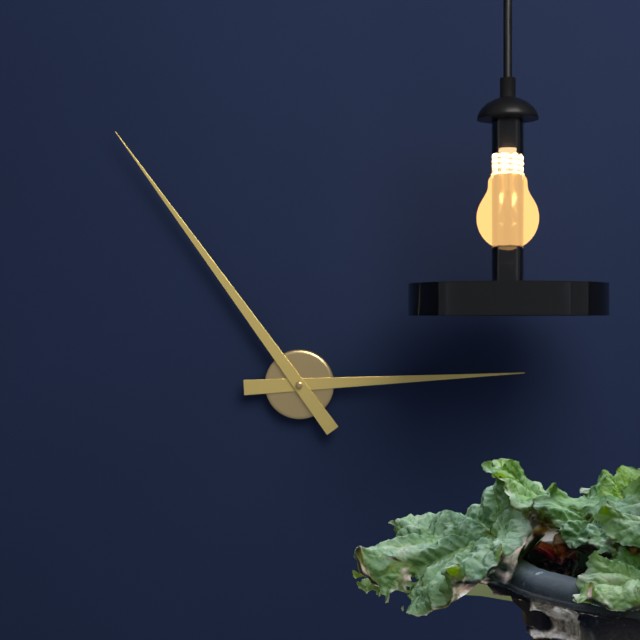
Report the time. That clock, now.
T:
2:54
